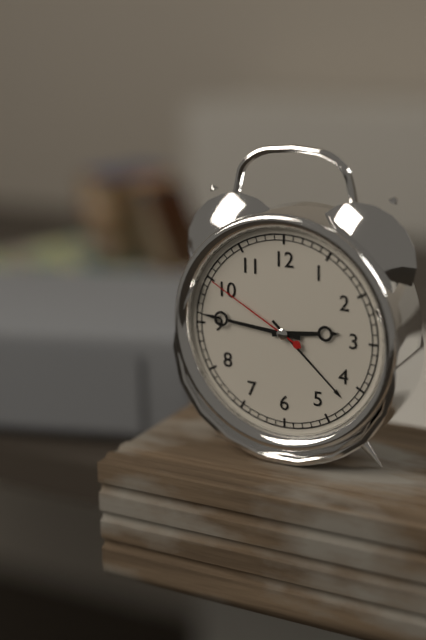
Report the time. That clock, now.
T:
2:46:50
